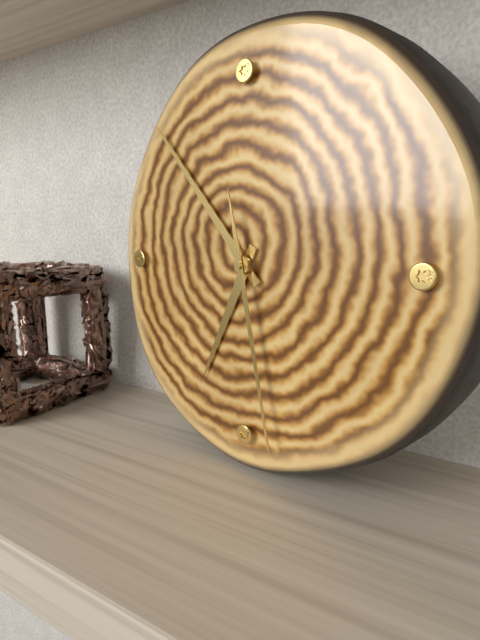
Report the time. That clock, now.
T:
6:53:28
